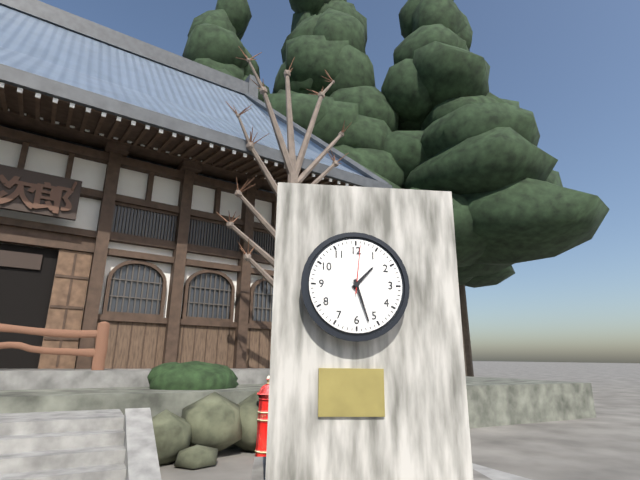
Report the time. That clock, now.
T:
1:27:01
